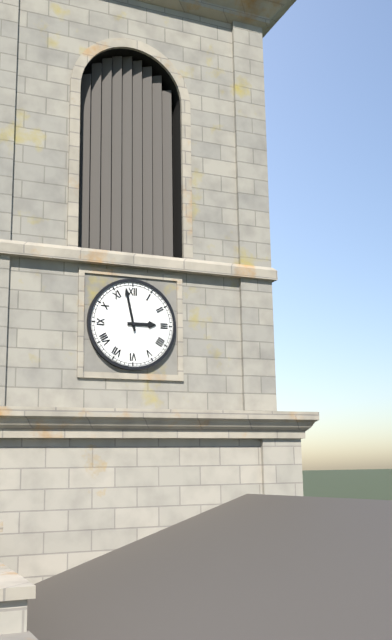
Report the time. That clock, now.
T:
2:58
